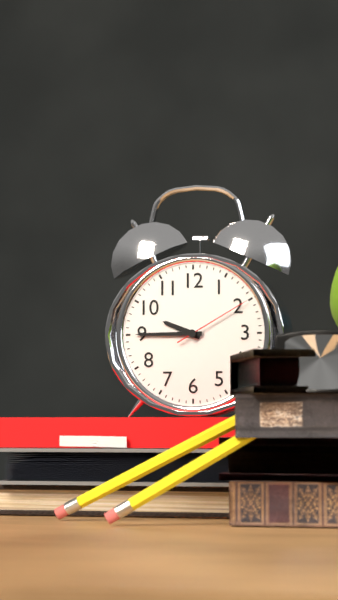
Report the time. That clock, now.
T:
9:45:10
